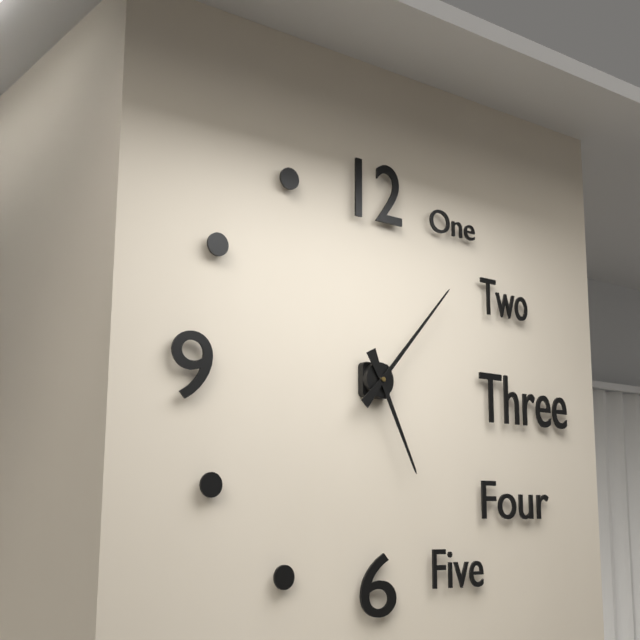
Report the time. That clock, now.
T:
5:07
